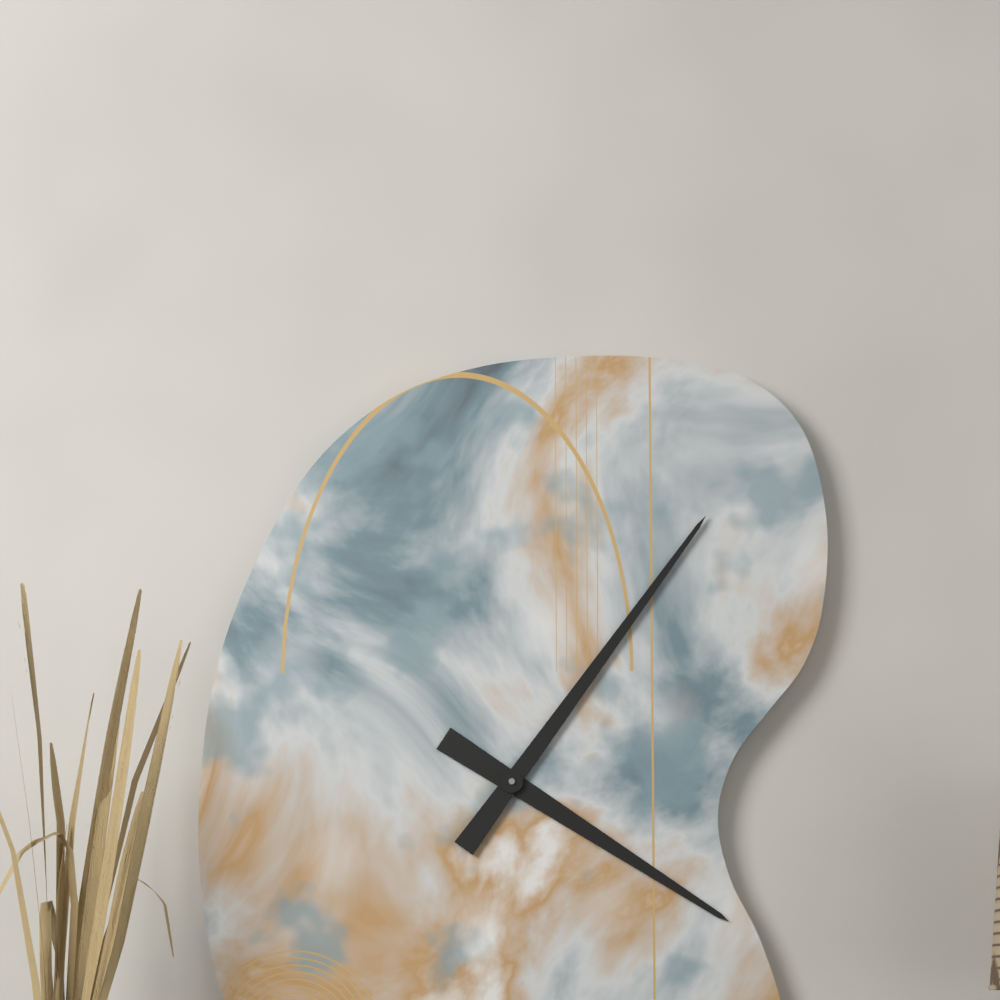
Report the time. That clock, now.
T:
4:06
